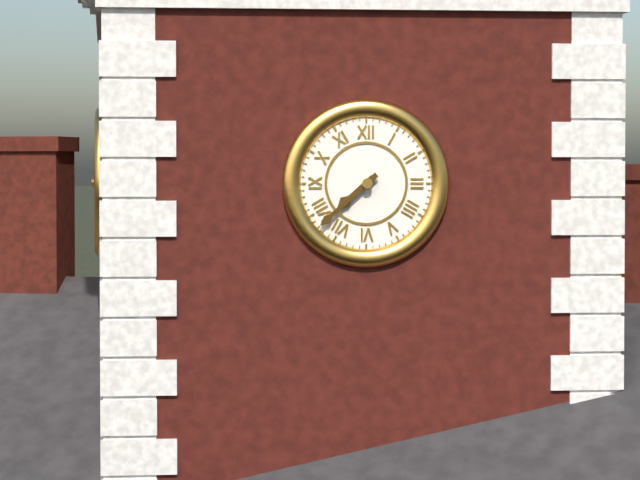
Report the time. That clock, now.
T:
7:38
